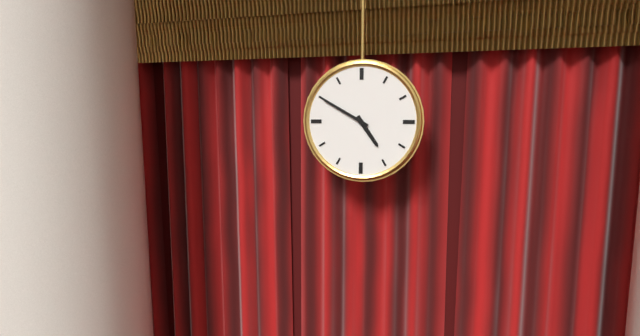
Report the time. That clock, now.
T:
4:50
